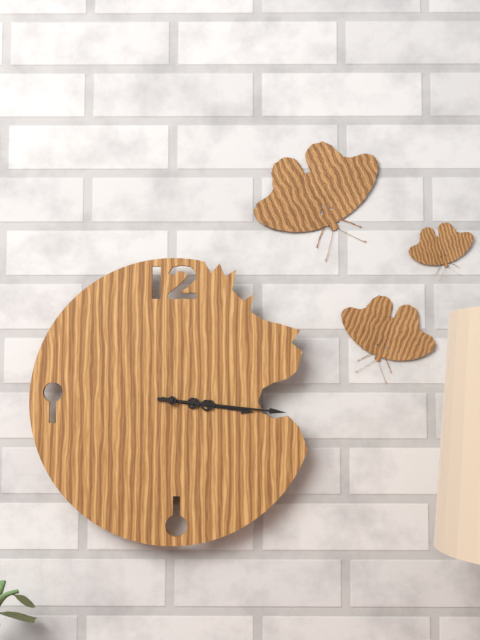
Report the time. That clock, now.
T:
3:16
